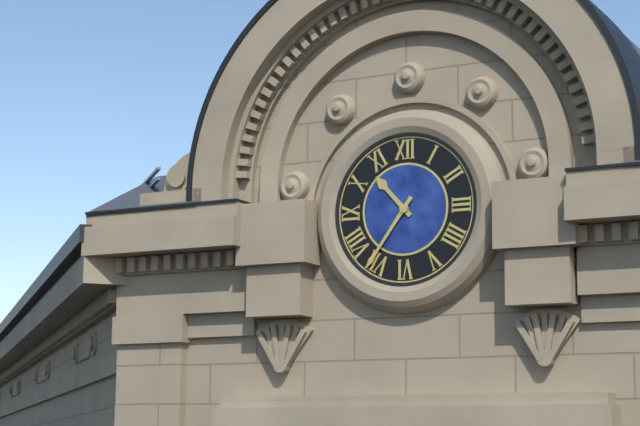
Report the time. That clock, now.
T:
10:36
